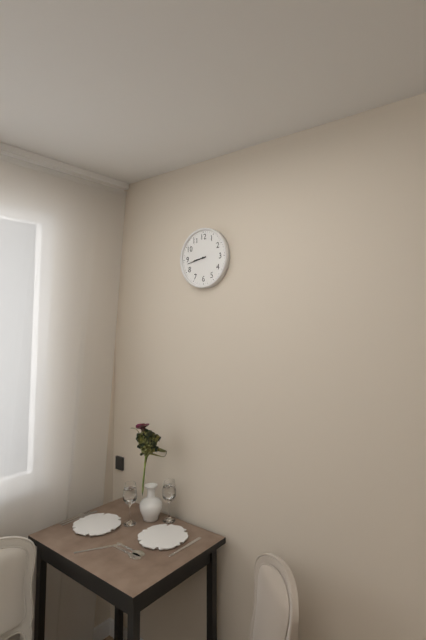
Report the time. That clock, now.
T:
8:43
